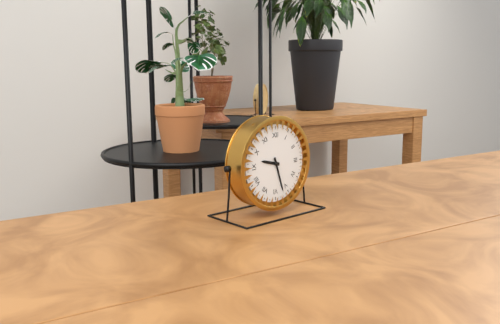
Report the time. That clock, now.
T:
9:27
